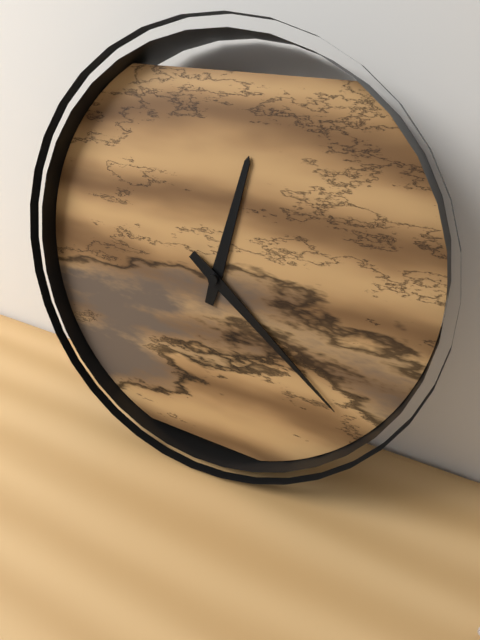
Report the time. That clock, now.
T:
12:21
